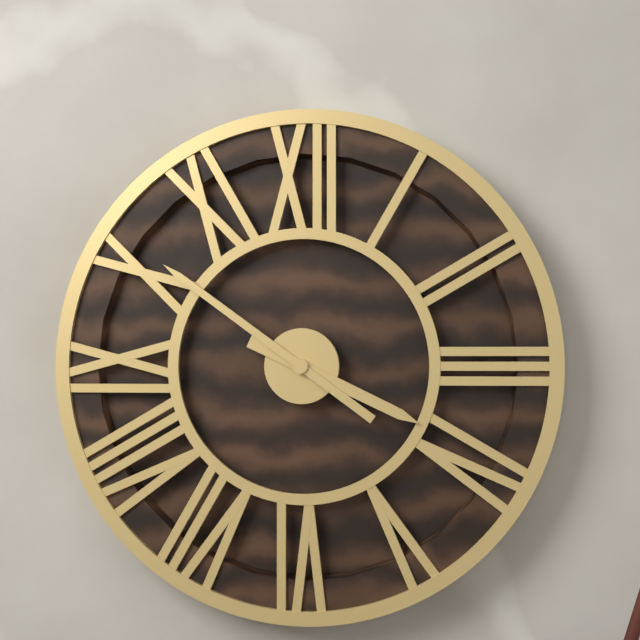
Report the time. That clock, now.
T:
3:51
